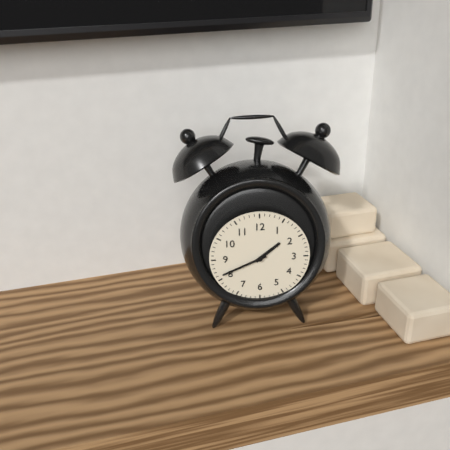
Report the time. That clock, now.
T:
1:41
